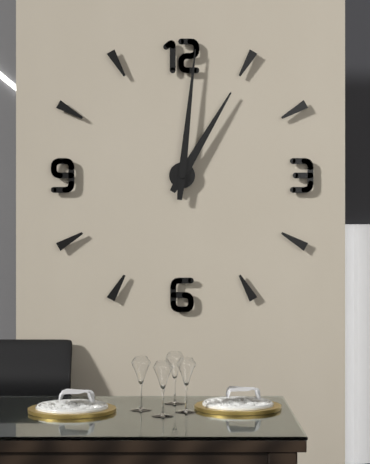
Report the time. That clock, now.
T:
1:01
